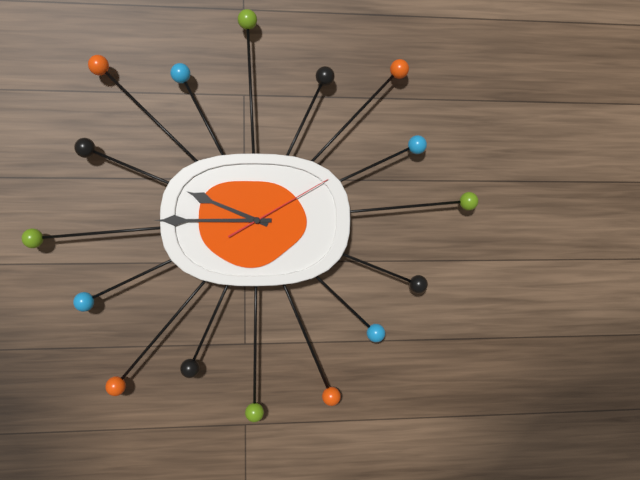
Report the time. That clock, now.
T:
9:45:10
